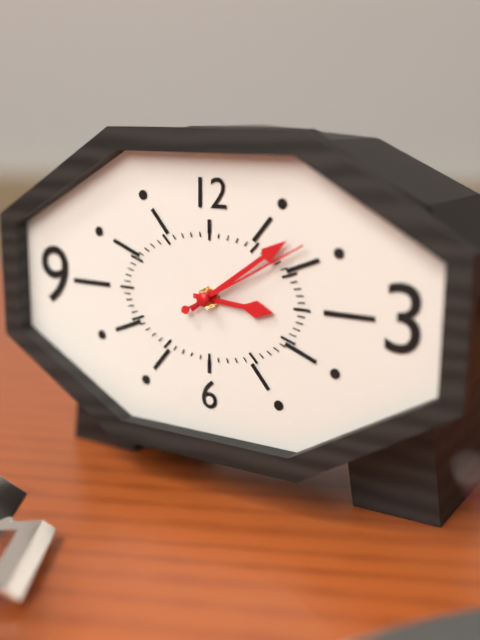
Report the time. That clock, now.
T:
3:09:10
